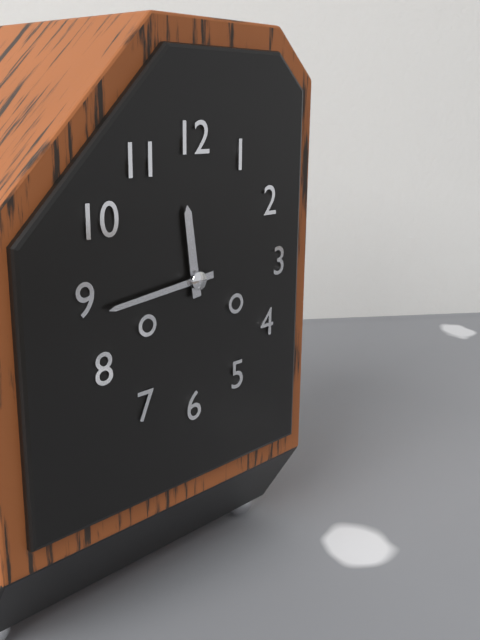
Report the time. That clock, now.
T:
11:44
